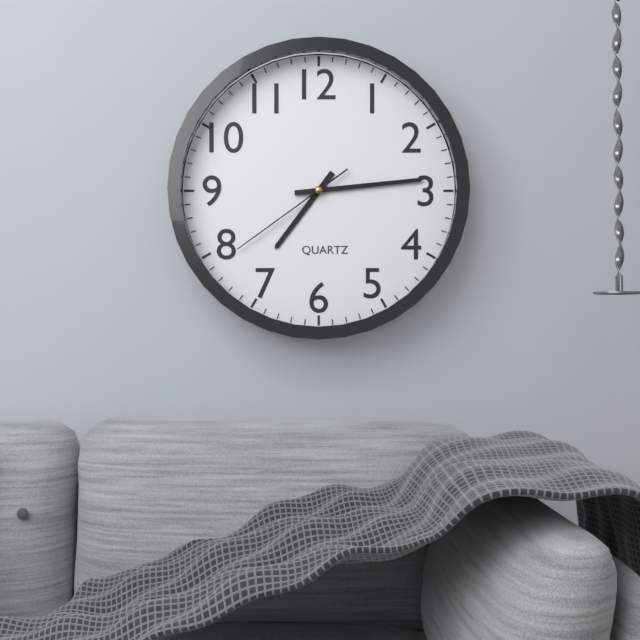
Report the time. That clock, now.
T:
7:14:39
